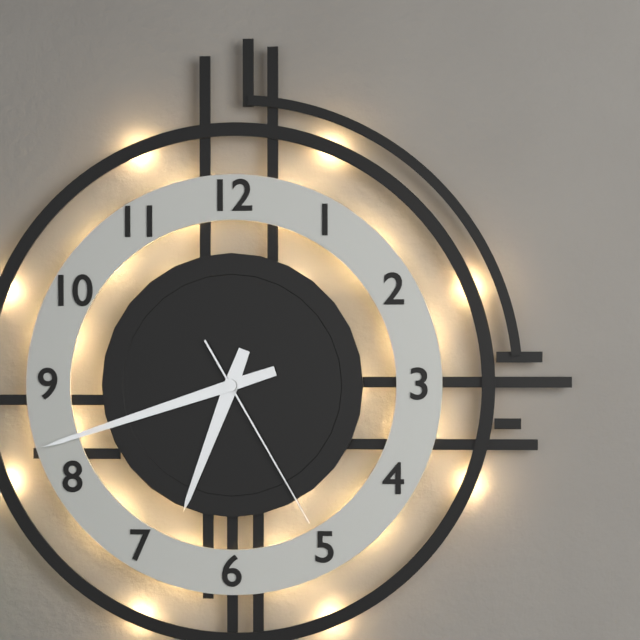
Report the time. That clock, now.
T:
6:42:25
